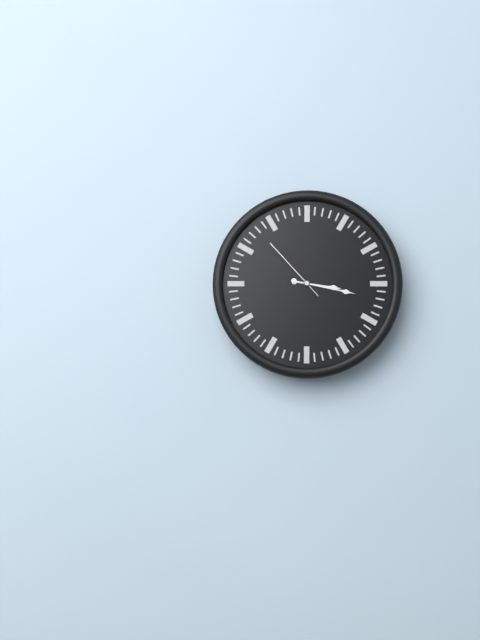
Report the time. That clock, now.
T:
3:17:53
